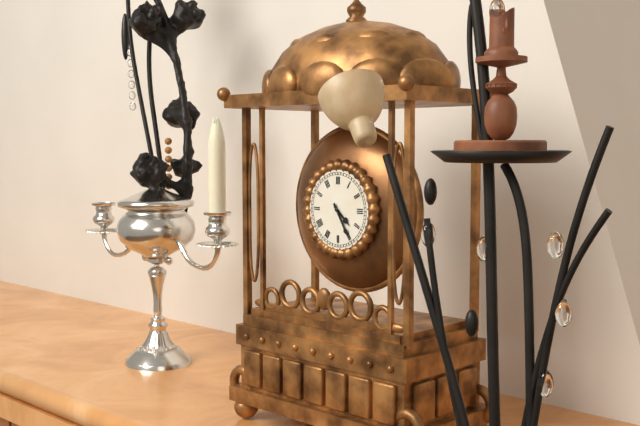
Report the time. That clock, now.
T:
4:25
